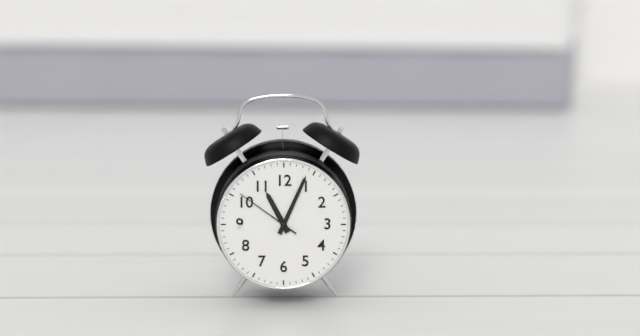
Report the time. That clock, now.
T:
11:04:51
